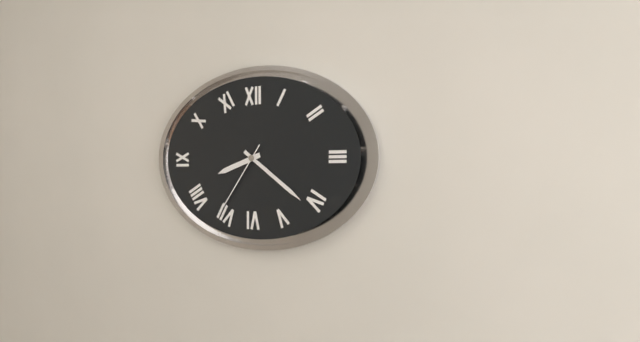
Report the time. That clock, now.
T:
8:21:36
